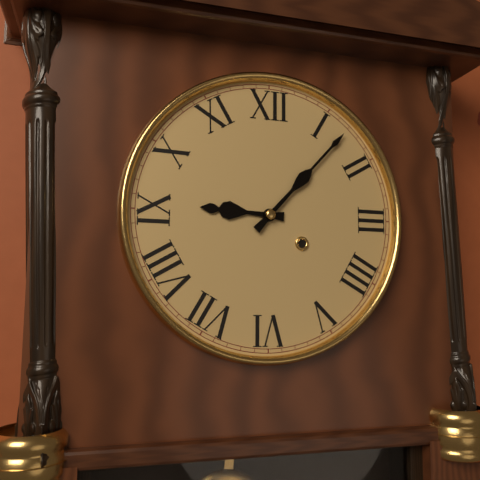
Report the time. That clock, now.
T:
9:07
